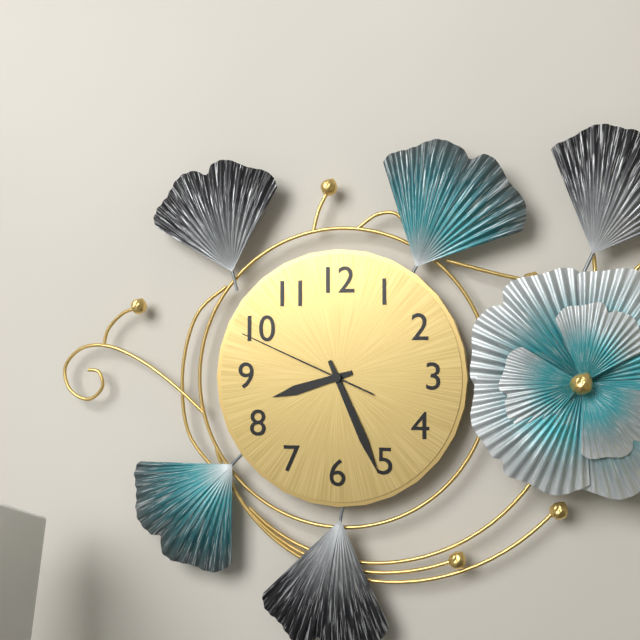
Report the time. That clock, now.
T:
8:26:49
